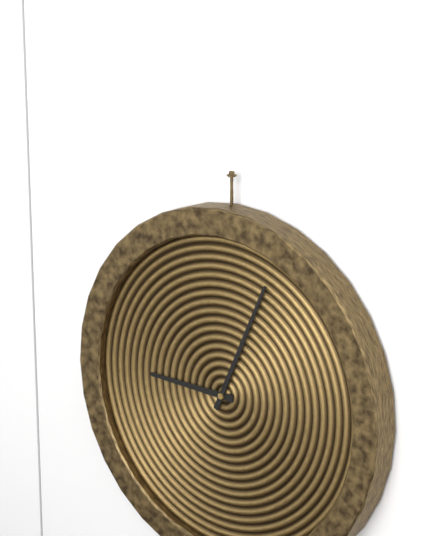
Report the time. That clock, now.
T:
9:04
